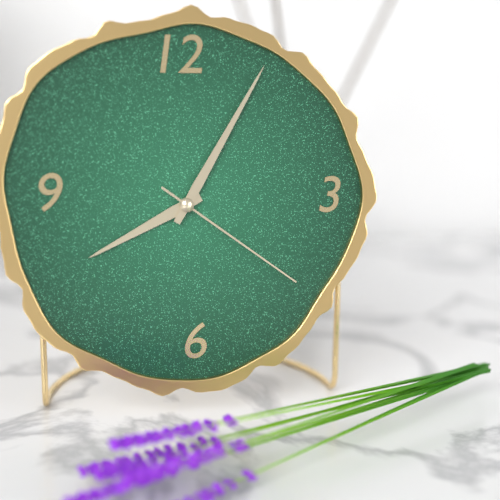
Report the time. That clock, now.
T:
8:05:21
